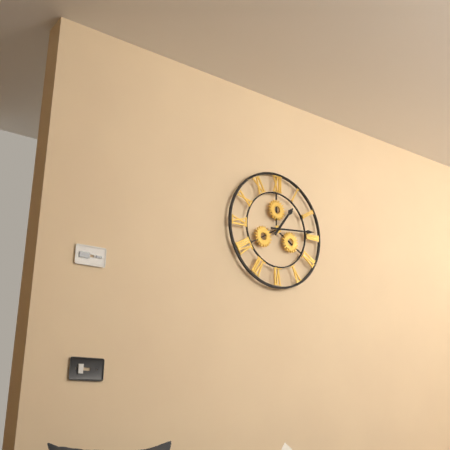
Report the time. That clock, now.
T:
1:14
